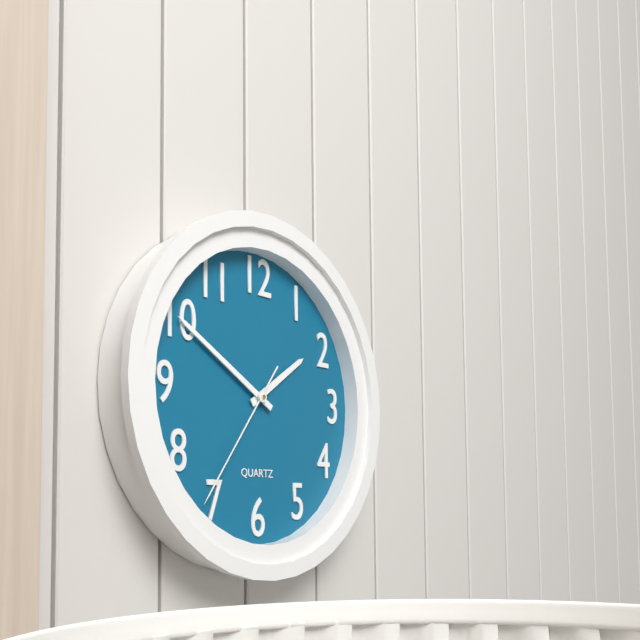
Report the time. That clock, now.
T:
1:50:36
